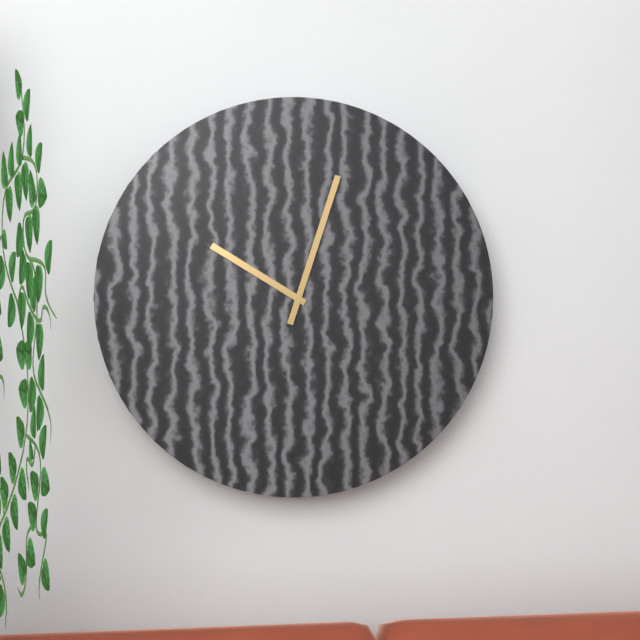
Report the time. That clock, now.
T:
10:03
